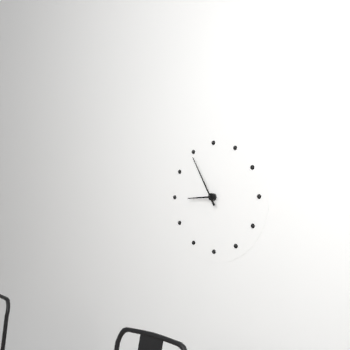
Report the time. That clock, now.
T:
8:55
